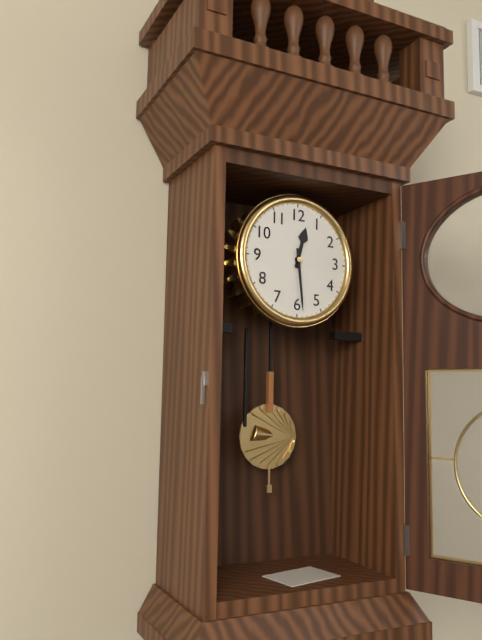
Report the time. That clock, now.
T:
12:29
